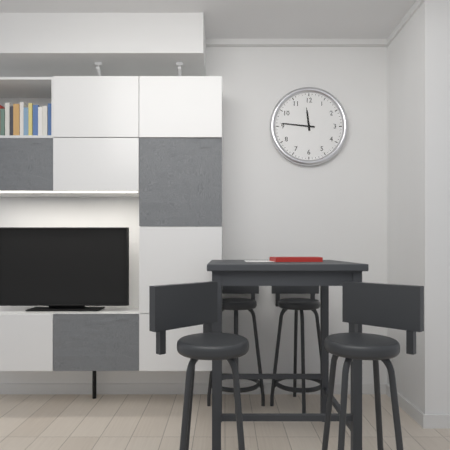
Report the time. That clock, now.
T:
11:46
